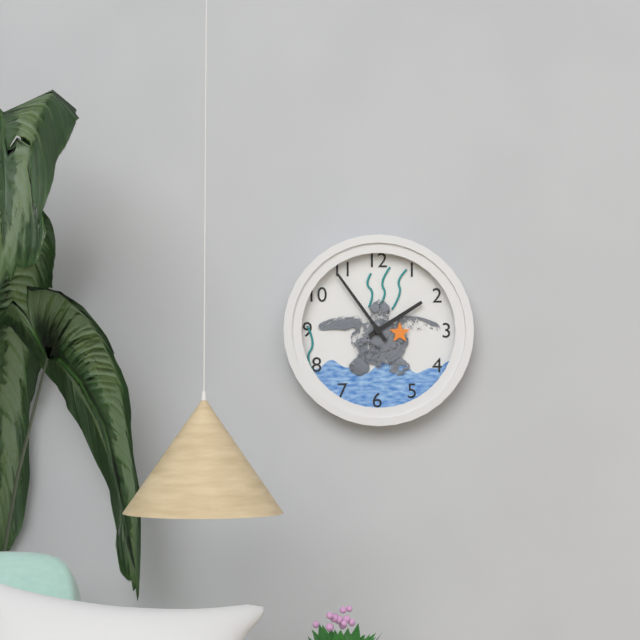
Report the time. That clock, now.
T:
1:54
